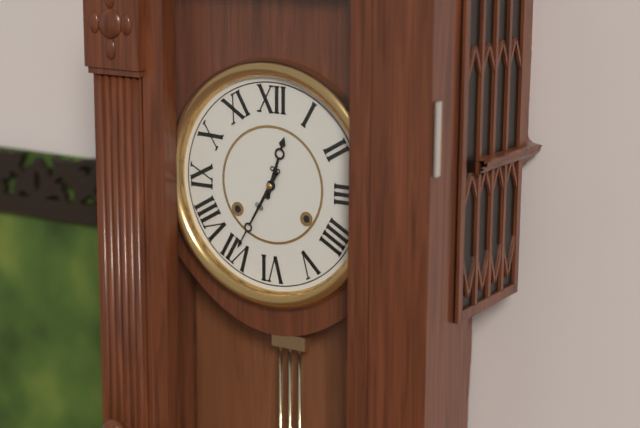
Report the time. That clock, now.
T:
12:35
